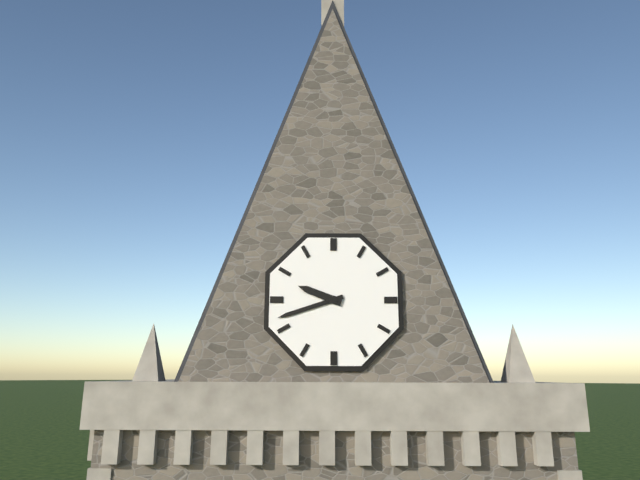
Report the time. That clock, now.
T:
9:42
